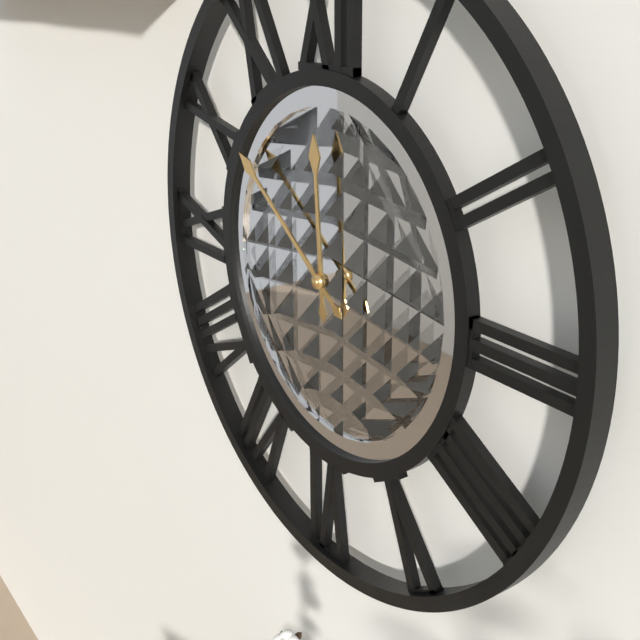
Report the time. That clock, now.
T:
11:51
